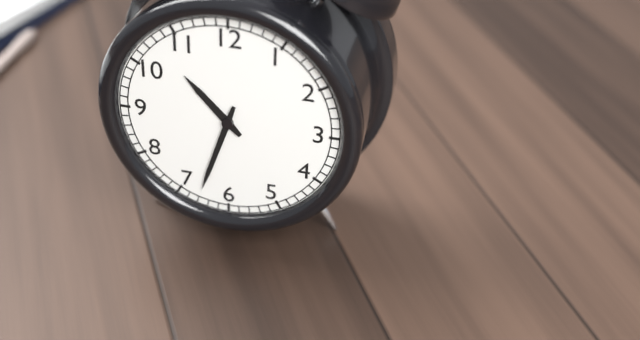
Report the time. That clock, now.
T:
10:33
